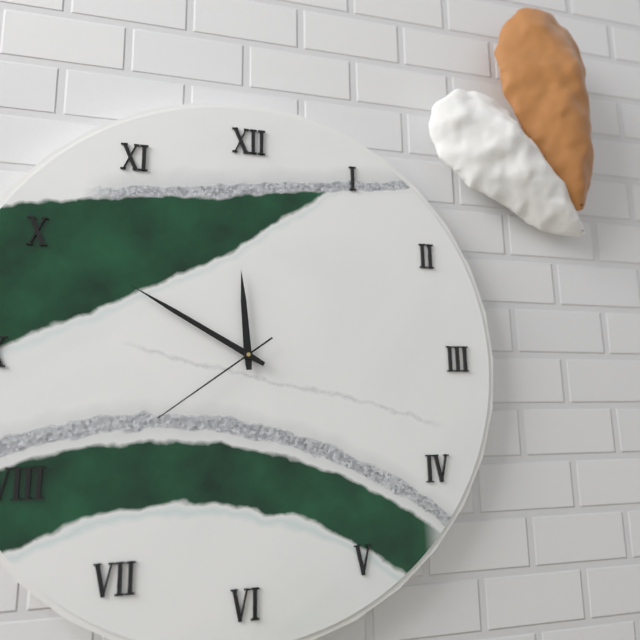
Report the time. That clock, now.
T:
11:50:39
